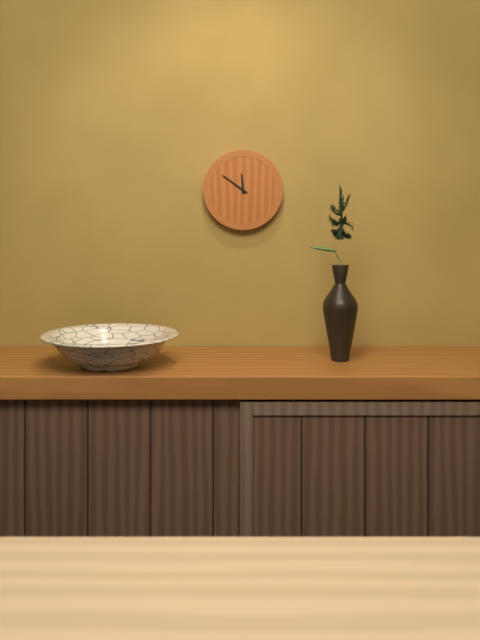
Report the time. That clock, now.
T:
11:51
